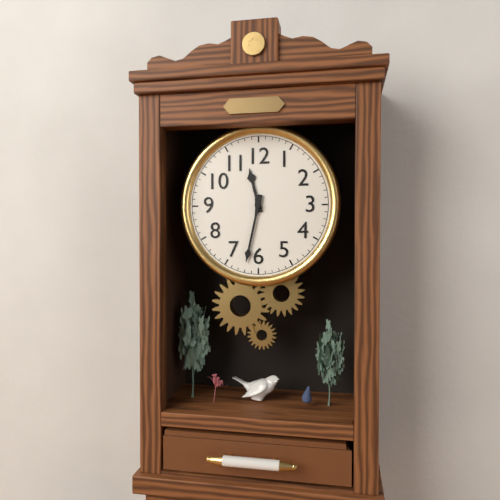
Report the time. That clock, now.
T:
11:32
